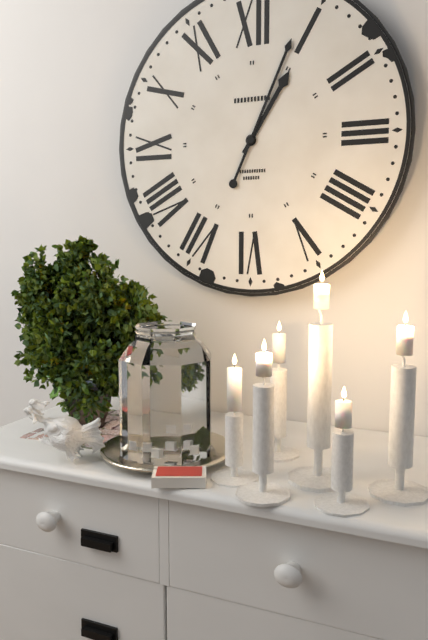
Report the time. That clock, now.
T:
1:04
